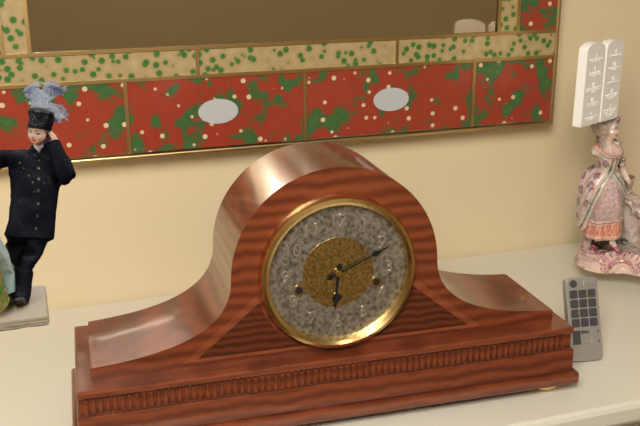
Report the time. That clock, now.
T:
6:11
